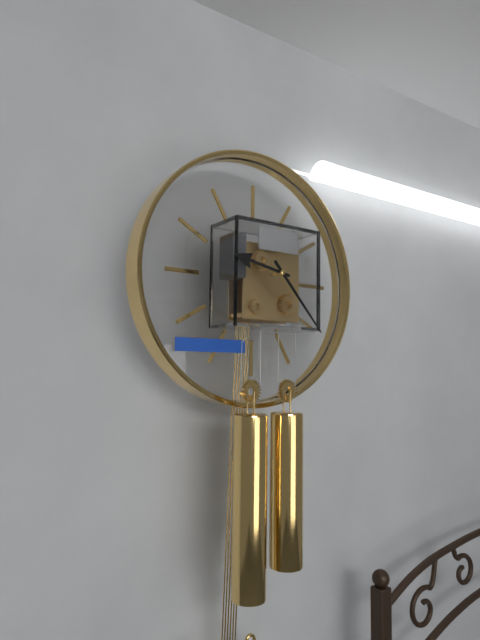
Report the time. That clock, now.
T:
9:23
